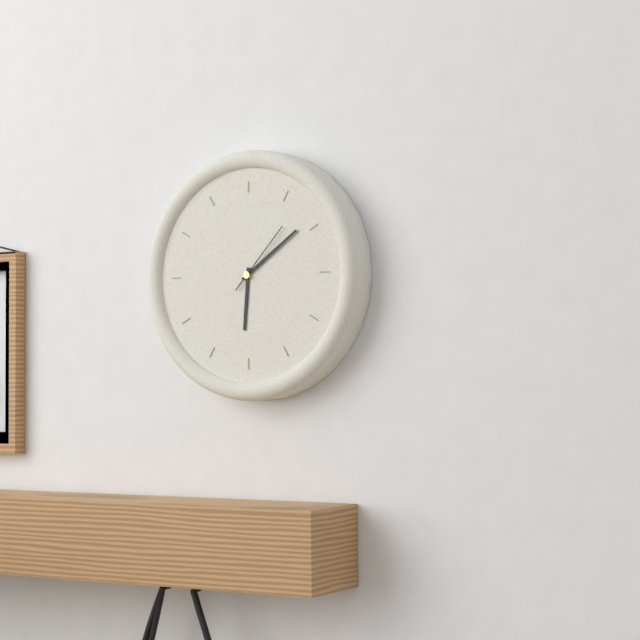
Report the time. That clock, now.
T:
6:09:07
